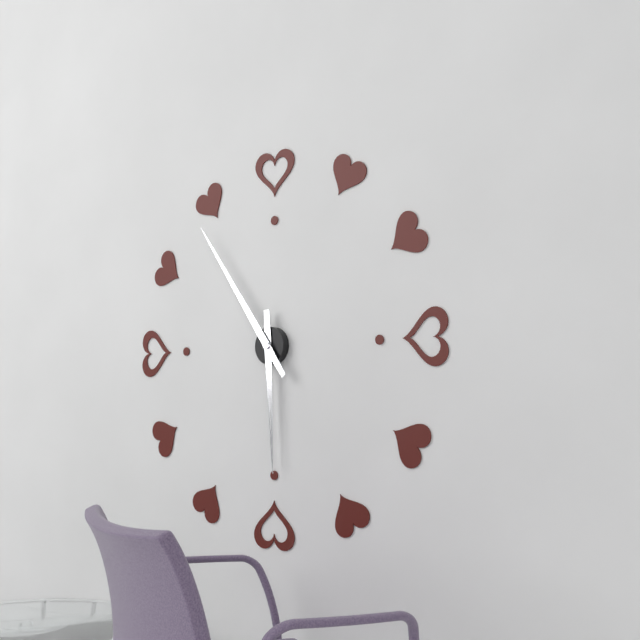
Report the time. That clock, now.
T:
5:54
